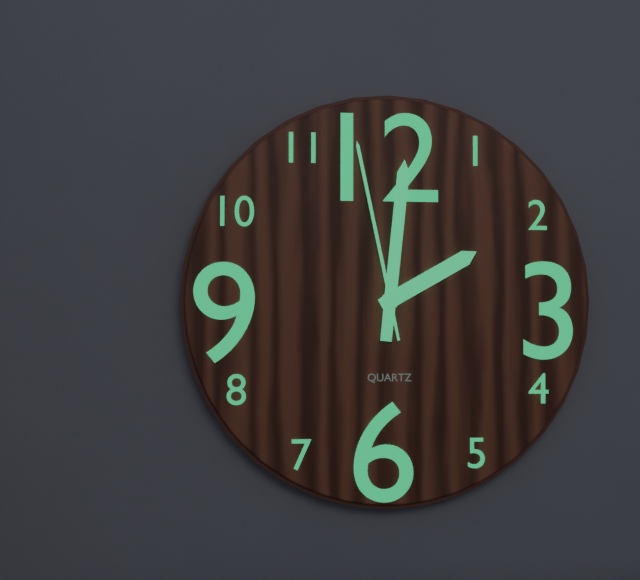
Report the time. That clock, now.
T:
2:01:58
